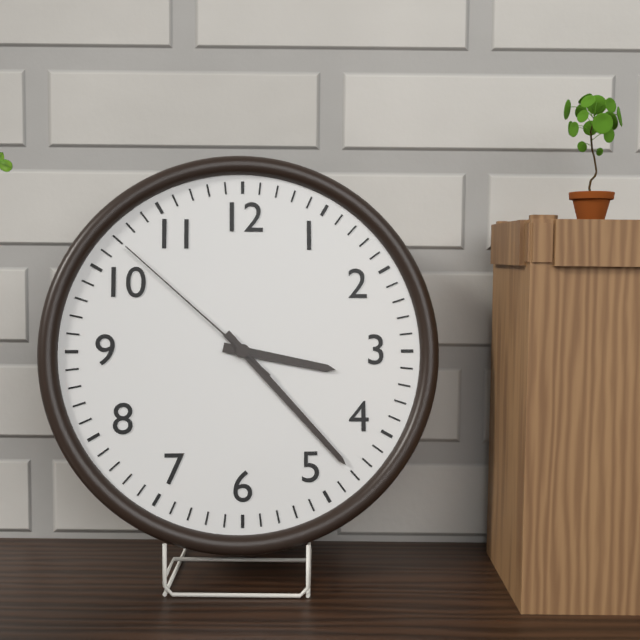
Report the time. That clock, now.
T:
3:23:52
